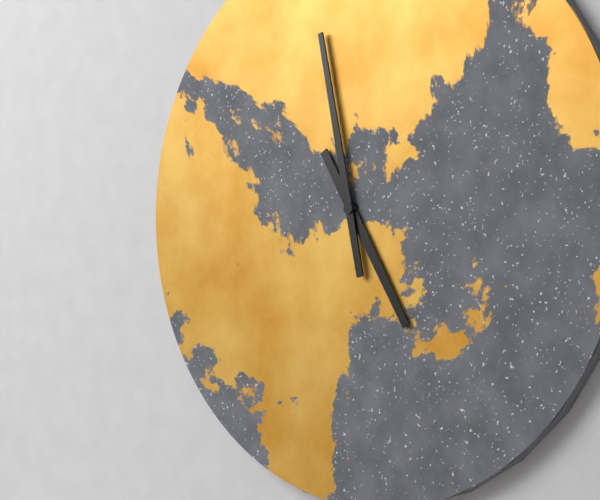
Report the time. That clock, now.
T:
4:58
